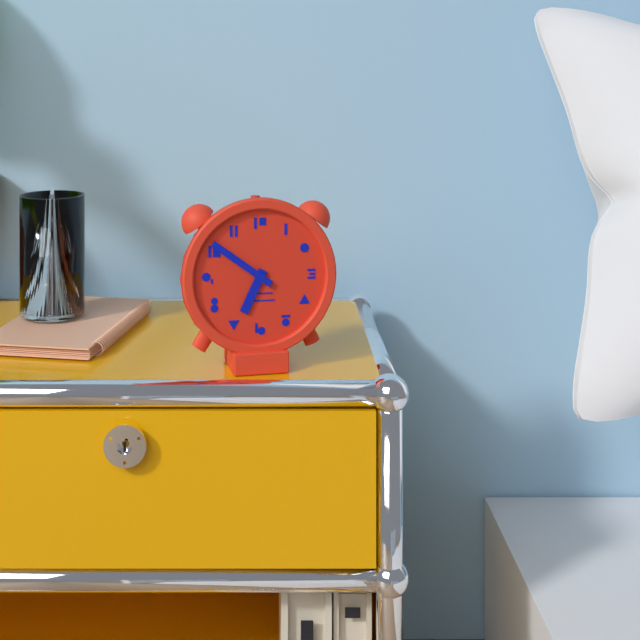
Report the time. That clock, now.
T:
6:51
